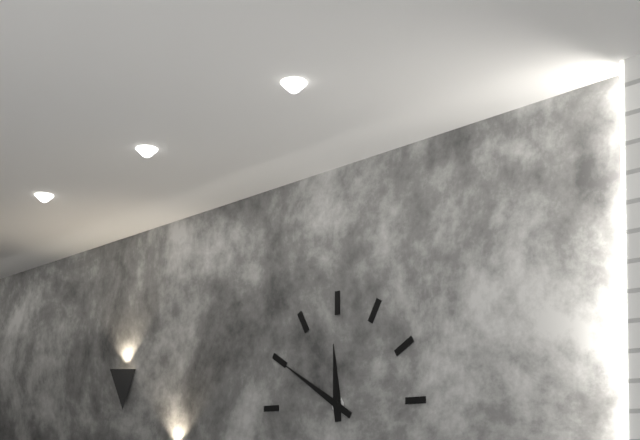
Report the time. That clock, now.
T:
11:50
